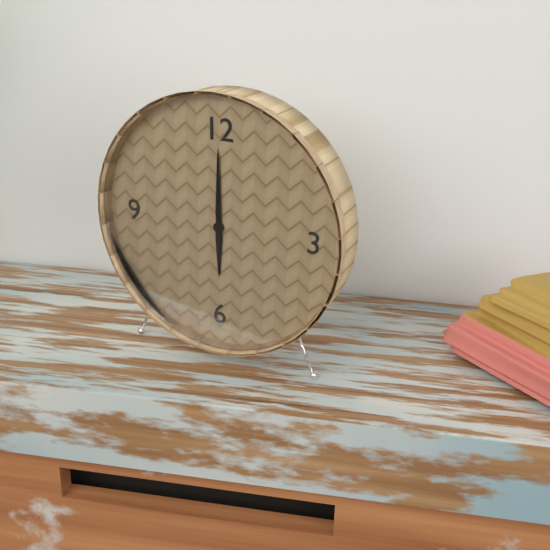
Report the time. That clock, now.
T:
6:00
